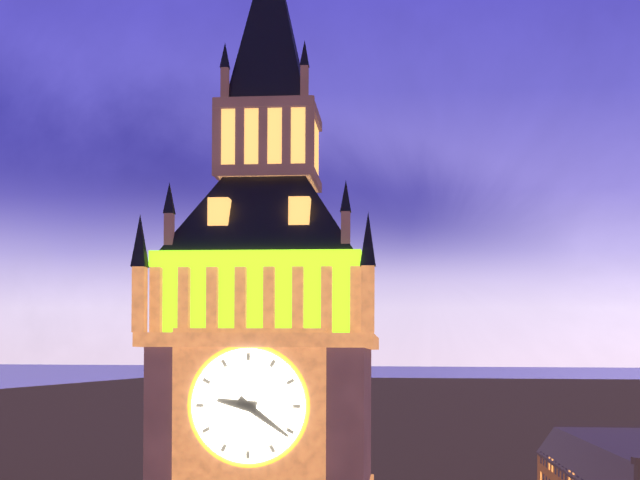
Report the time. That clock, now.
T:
9:21
